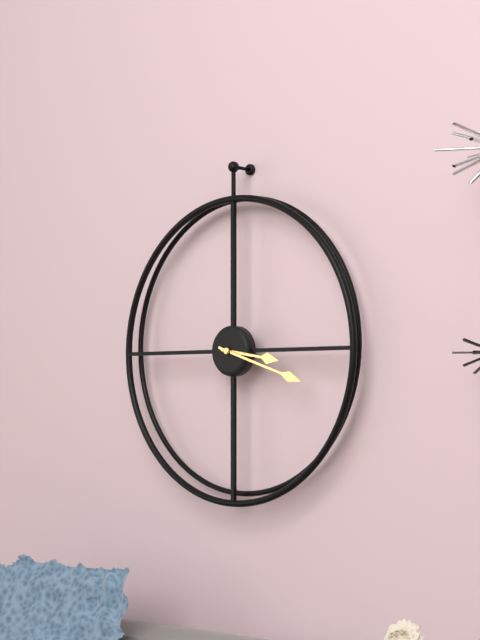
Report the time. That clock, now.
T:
3:18
